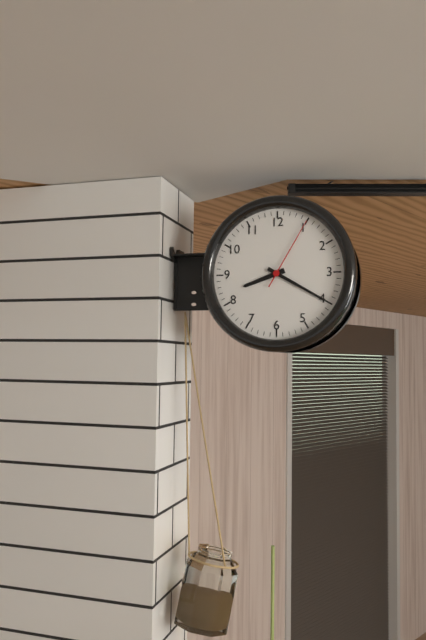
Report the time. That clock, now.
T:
8:20:05
